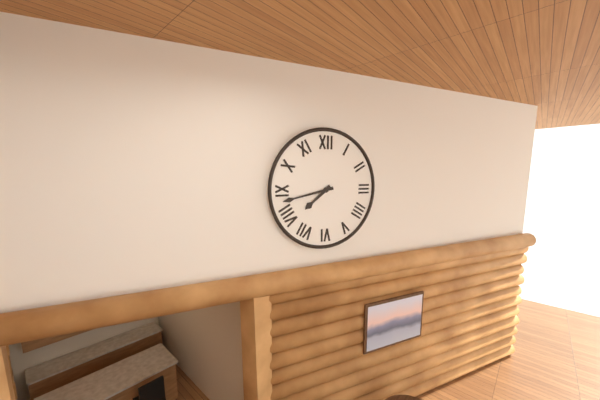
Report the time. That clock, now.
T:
7:43
